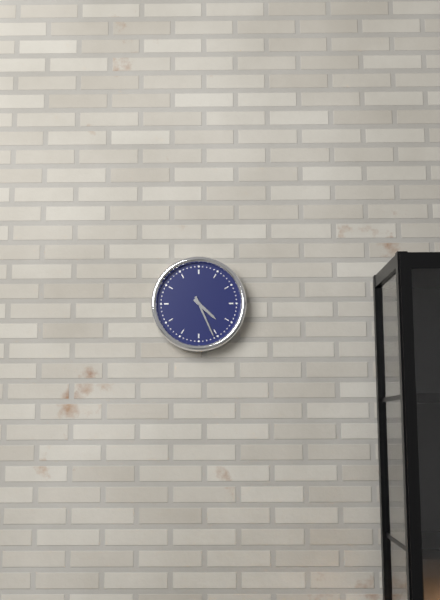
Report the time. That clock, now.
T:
4:26
